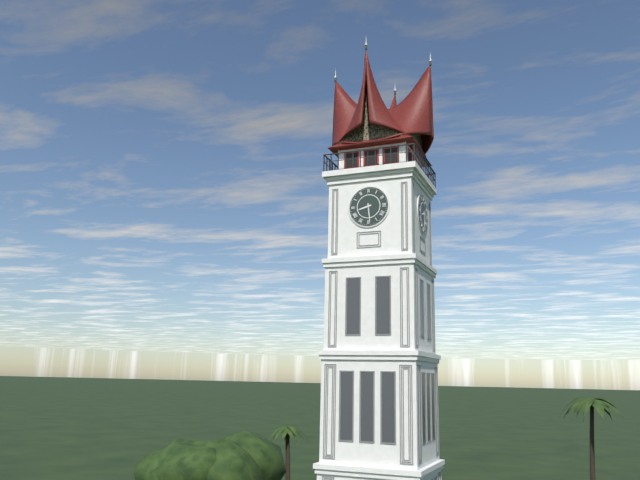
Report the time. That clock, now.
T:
8:29
